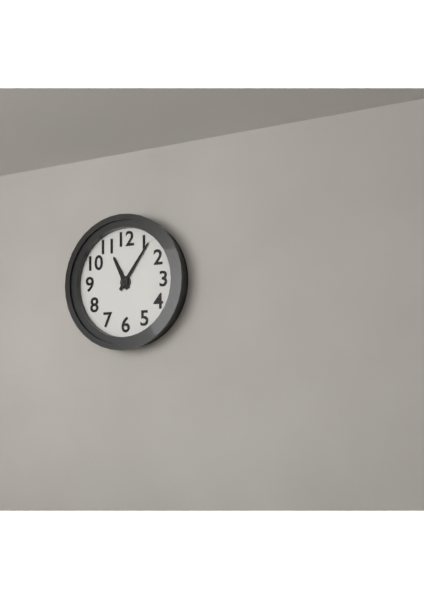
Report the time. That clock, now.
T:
11:06
